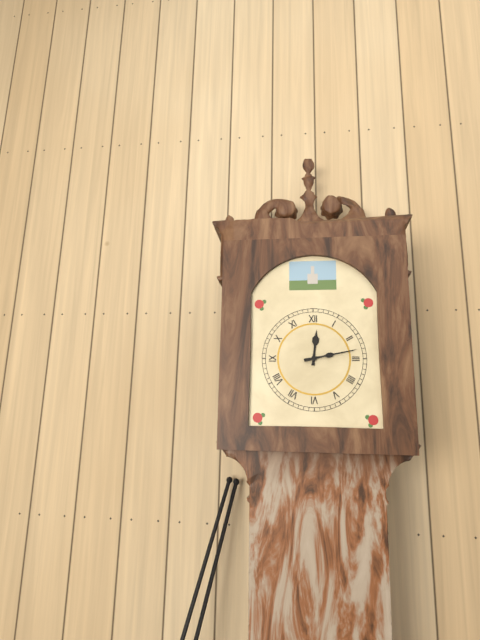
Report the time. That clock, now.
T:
12:13
